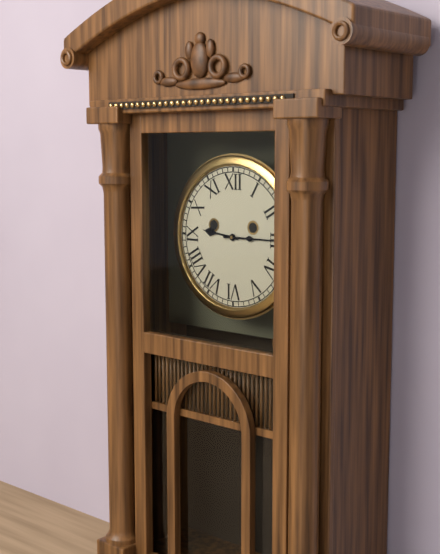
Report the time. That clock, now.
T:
9:15
